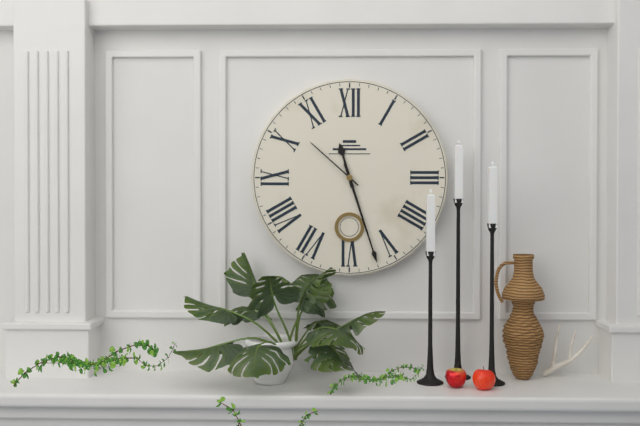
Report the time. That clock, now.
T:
11:27:52
